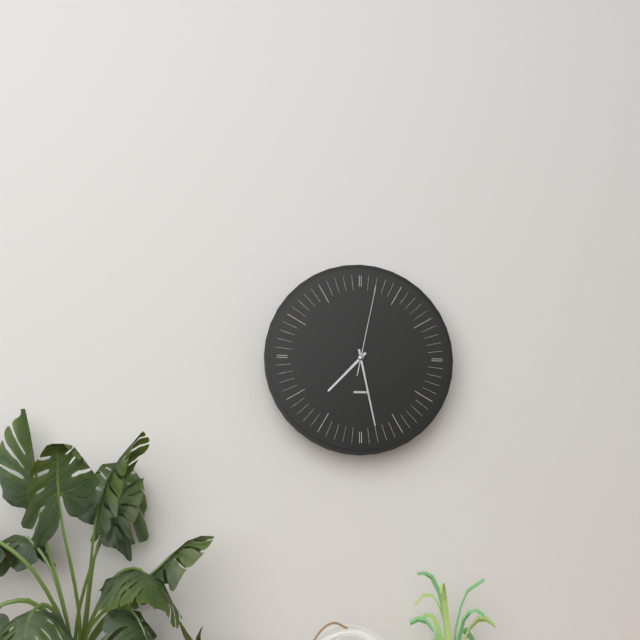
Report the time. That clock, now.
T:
7:28:02
